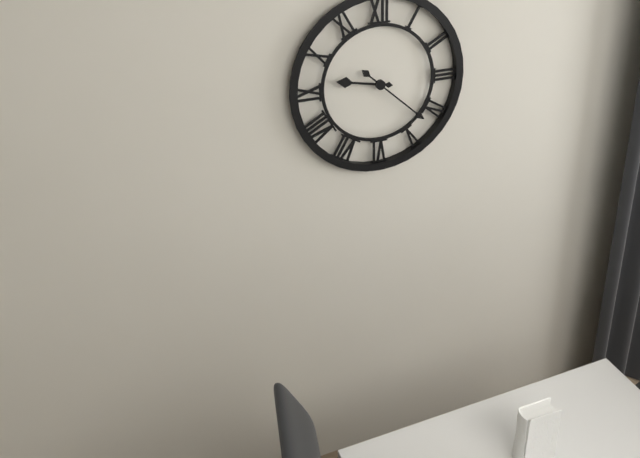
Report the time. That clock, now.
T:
9:22
